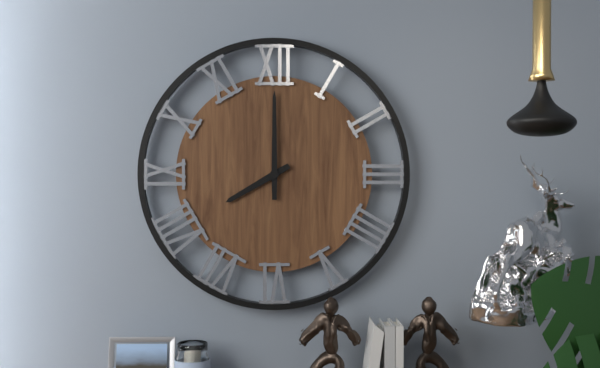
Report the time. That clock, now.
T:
8:00
